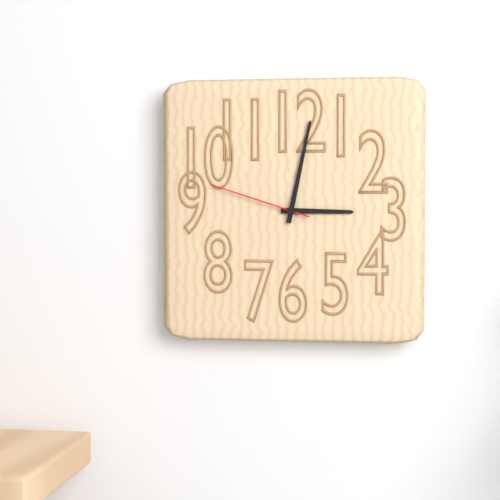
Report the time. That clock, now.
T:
3:02:48
